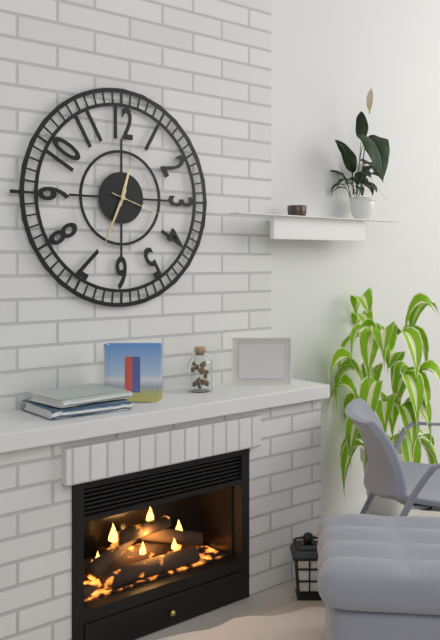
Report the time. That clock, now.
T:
12:34:18
